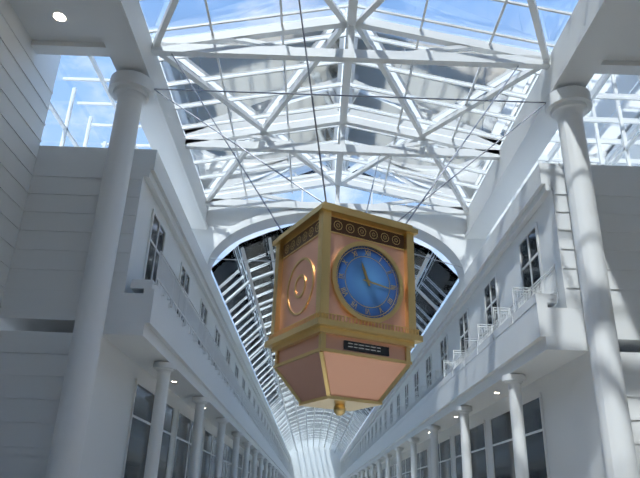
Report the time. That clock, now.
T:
11:16
